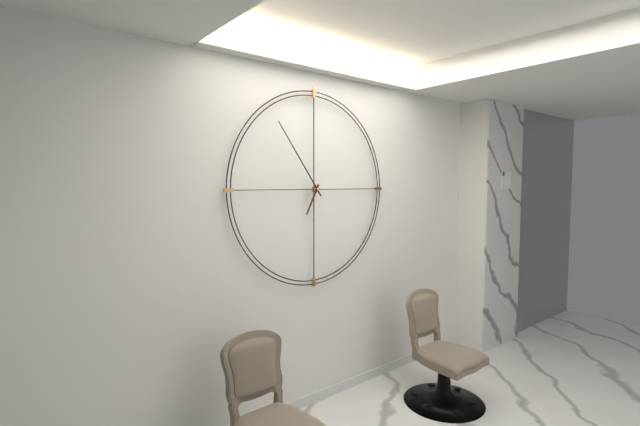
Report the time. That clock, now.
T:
6:54
